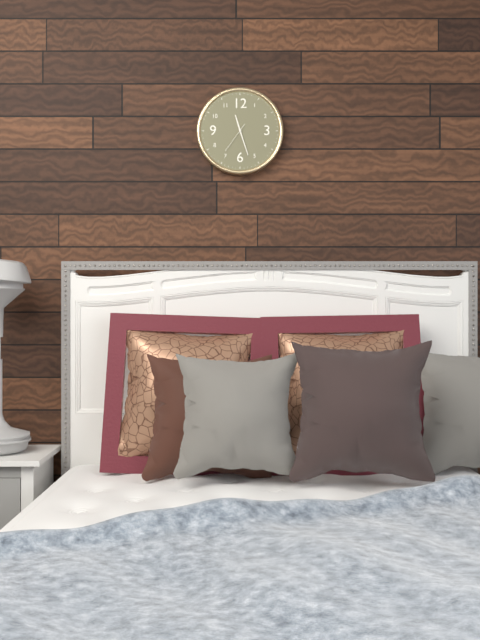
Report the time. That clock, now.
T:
11:27
